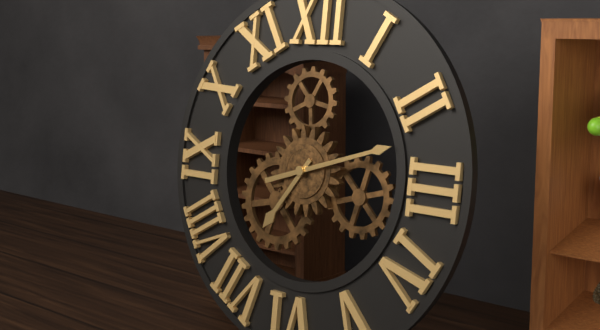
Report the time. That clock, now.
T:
7:12
